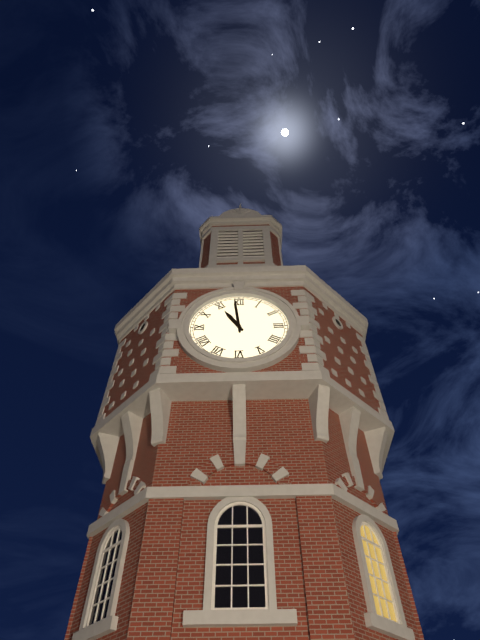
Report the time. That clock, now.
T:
10:59
